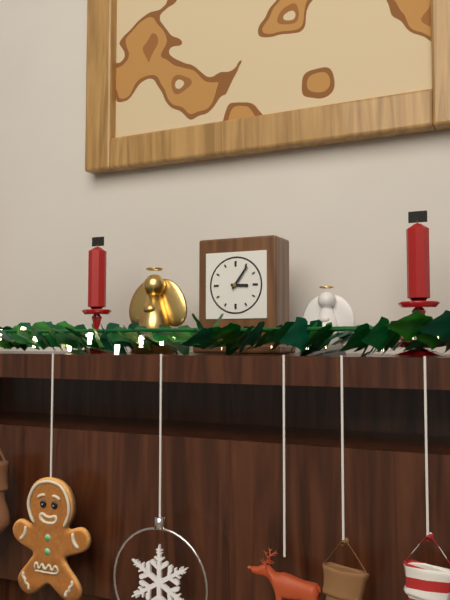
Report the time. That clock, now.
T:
3:06
